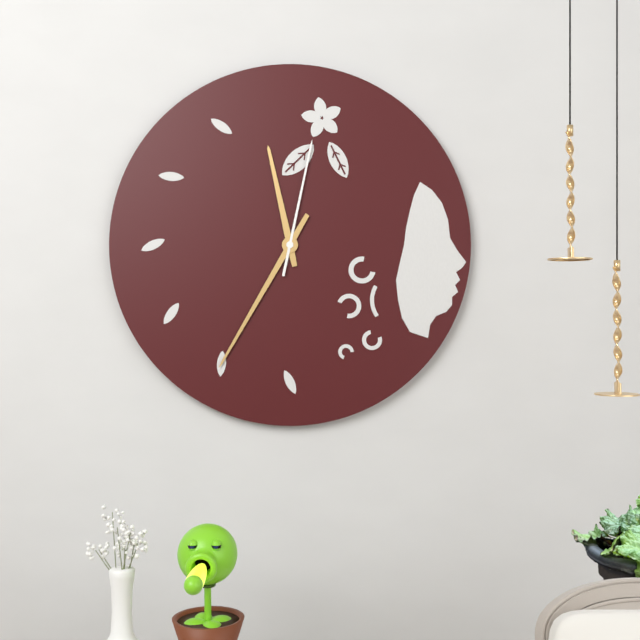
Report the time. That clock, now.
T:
11:35:02
